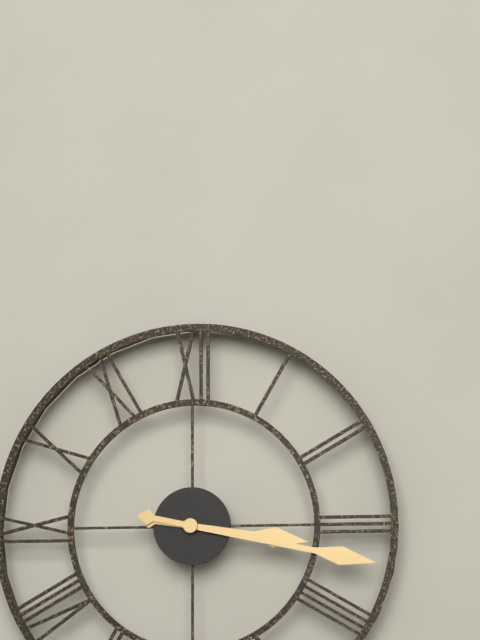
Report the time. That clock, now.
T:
3:17
